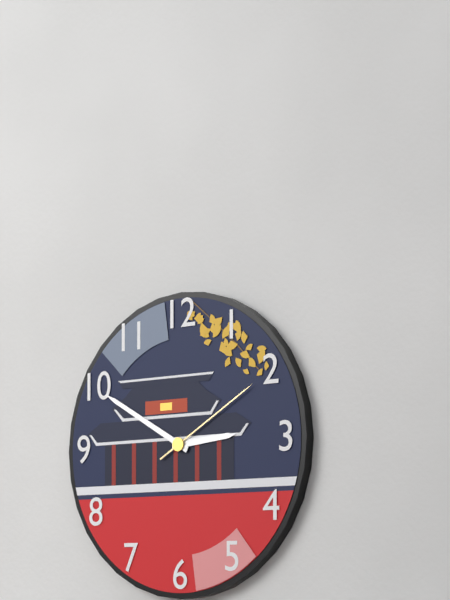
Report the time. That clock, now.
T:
2:50:10
